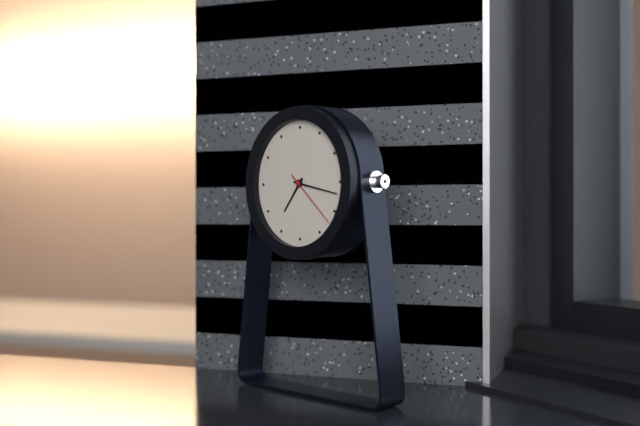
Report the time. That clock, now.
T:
7:17:22
